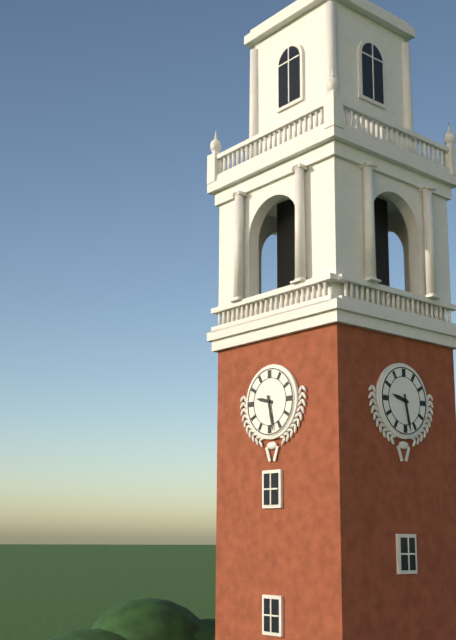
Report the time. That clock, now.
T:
9:28
